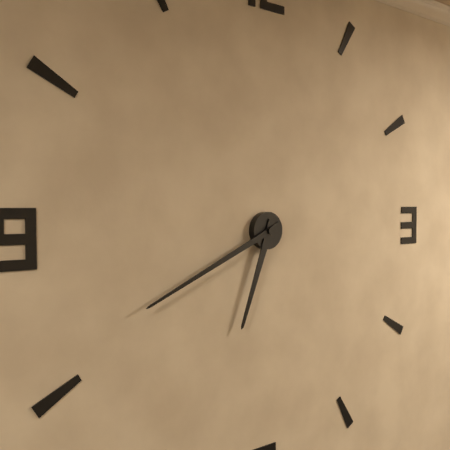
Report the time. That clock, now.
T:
6:41
